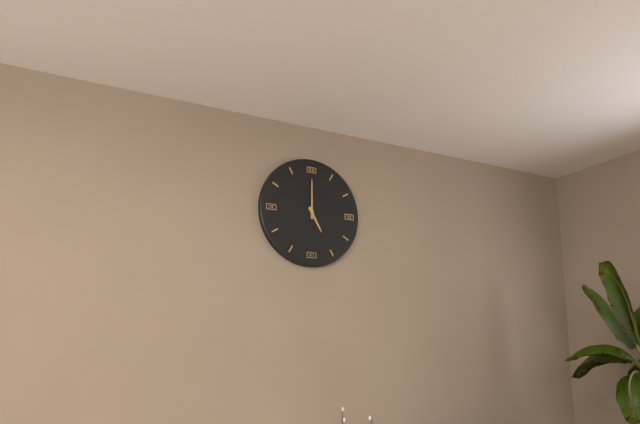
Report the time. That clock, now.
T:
5:00
